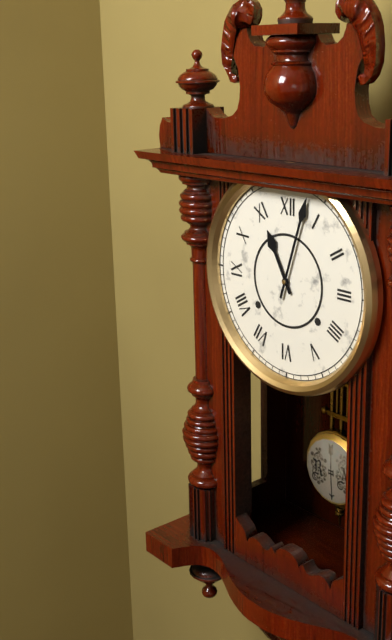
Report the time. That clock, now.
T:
11:03
